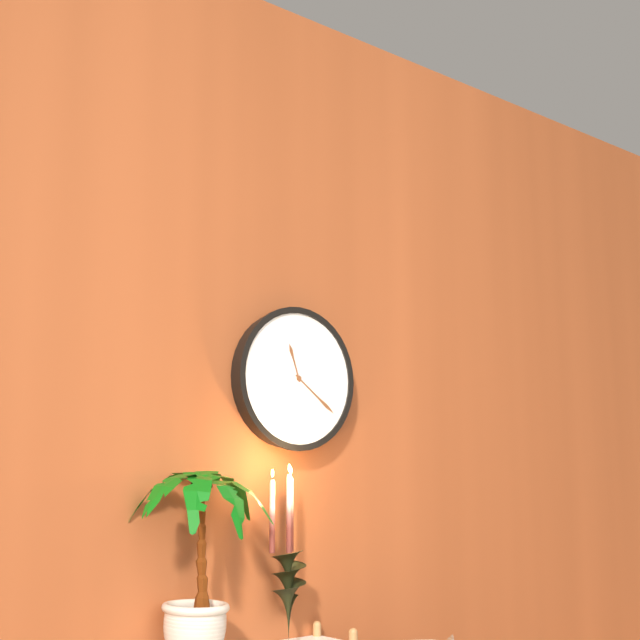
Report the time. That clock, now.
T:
11:21
